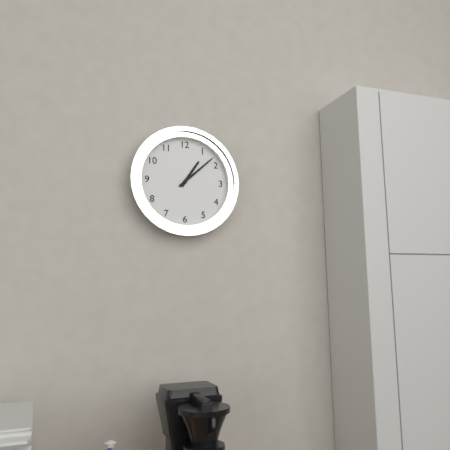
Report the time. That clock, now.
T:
1:08
